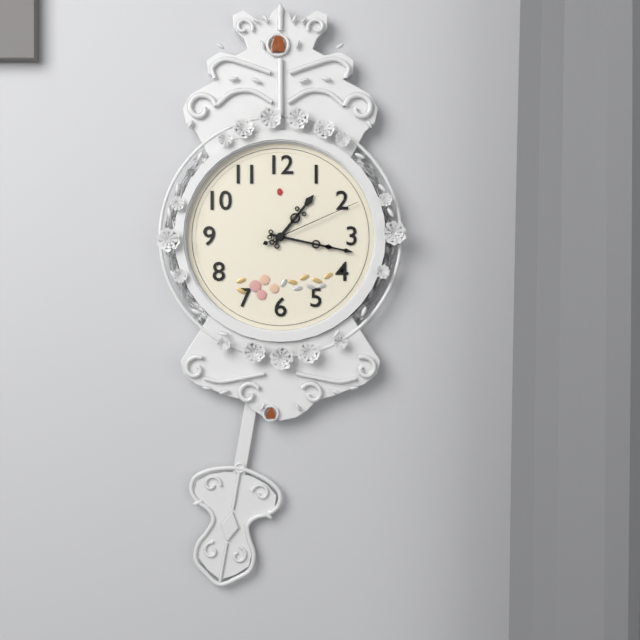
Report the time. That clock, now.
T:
1:17:11
